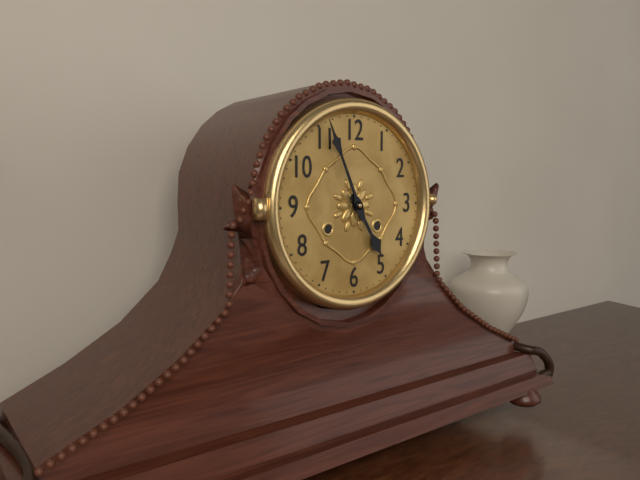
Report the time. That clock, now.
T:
4:56
